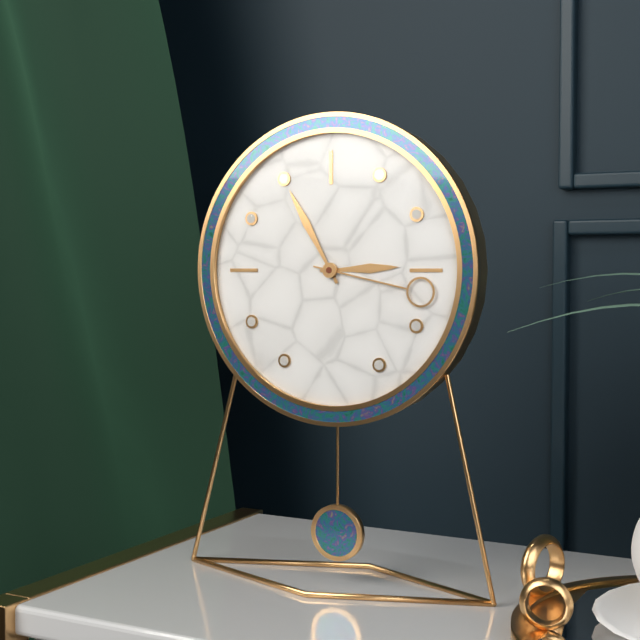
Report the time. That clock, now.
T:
2:55:17
